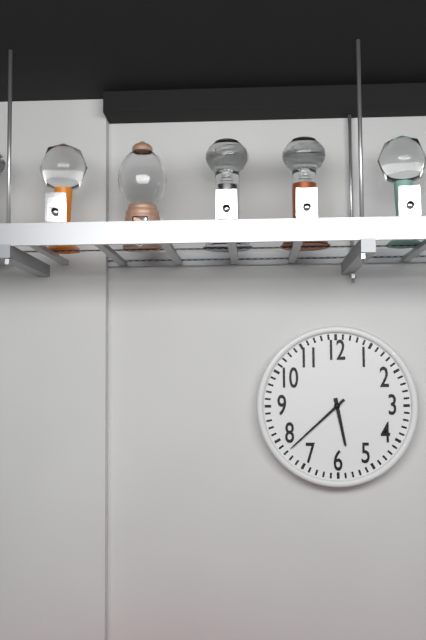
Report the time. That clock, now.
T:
5:38
